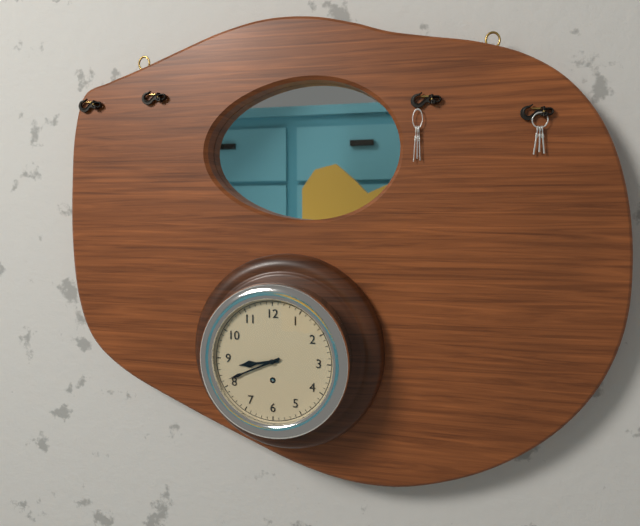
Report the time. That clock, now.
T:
8:41
